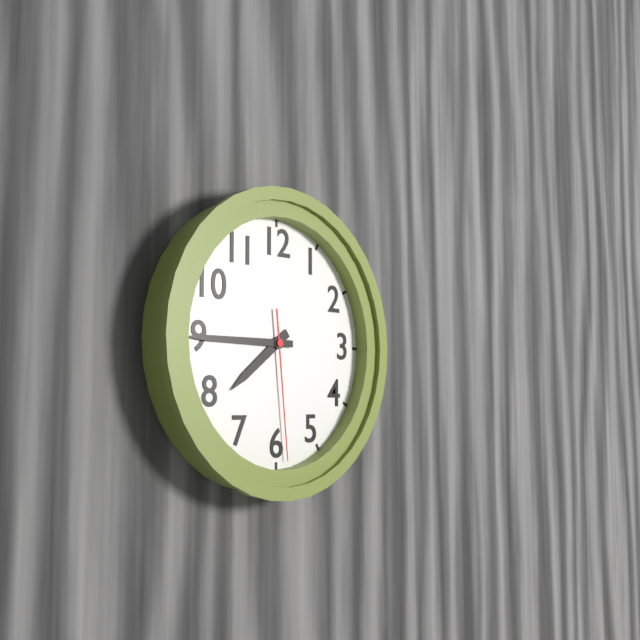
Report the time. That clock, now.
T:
7:45:29
